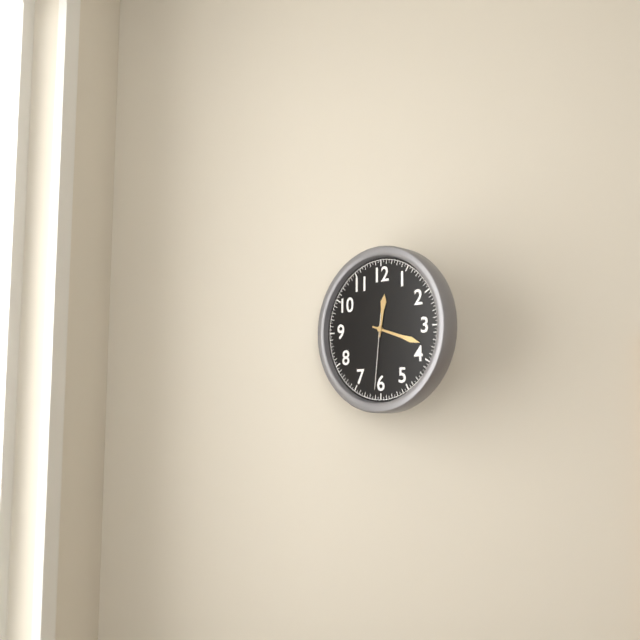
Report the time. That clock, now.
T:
12:18:31
